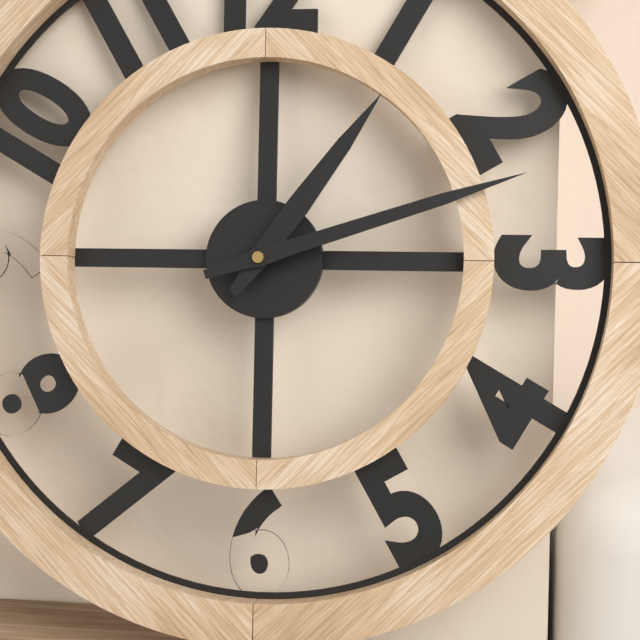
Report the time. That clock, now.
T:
1:12
